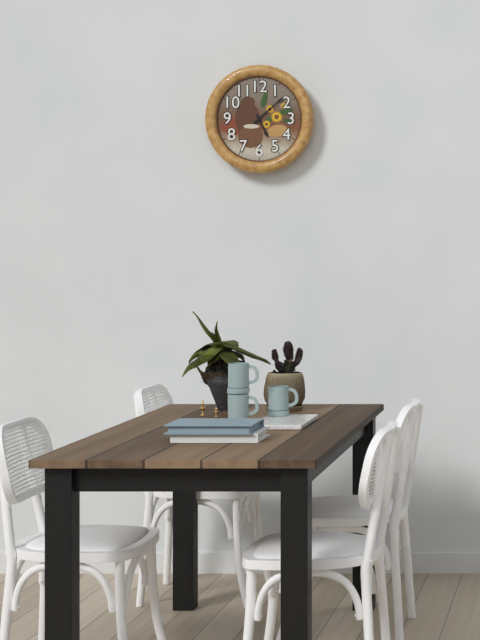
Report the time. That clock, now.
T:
5:08
